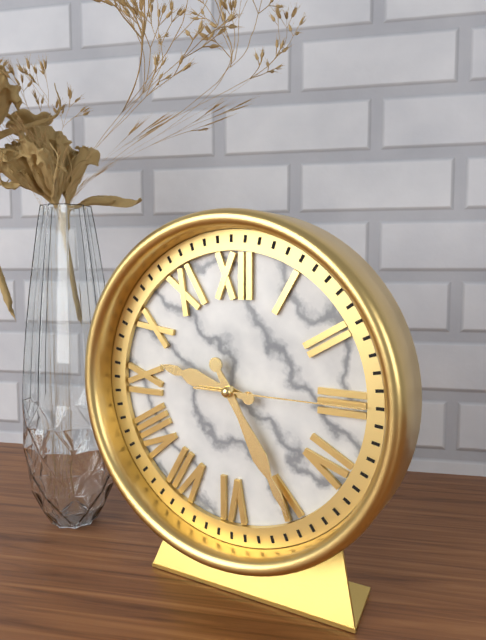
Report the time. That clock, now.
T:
9:25:15
